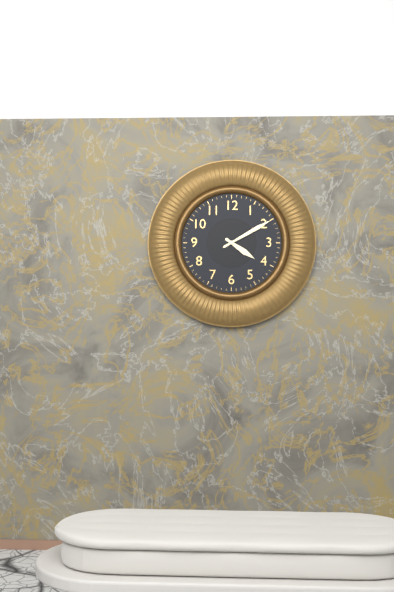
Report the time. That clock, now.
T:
4:10
